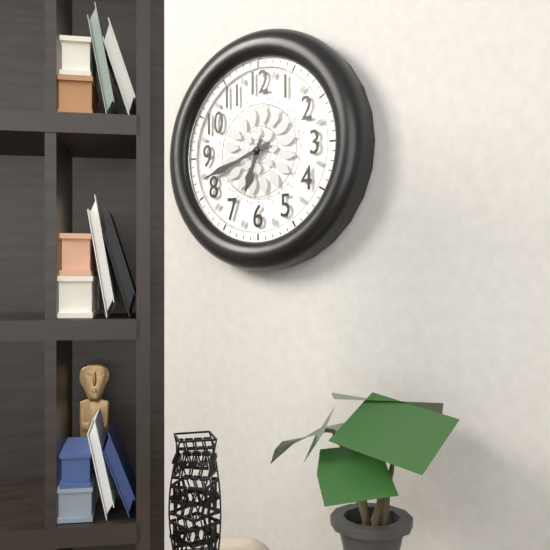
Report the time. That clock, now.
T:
6:42
